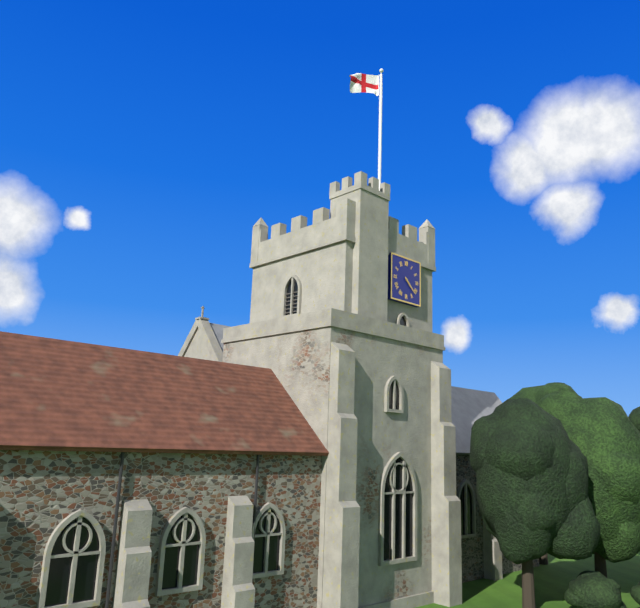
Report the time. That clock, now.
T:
4:22
